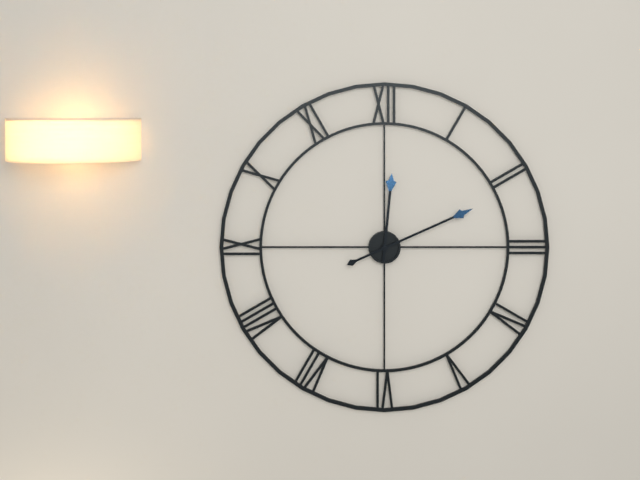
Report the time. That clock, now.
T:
12:11
